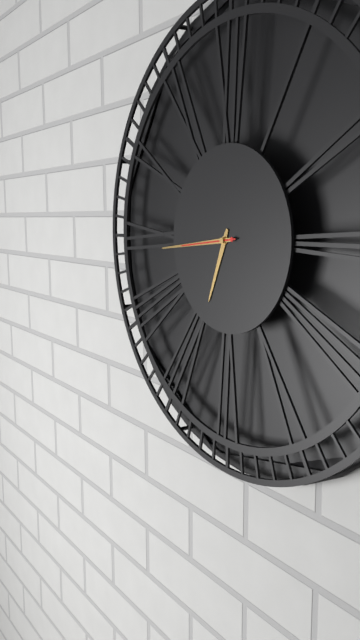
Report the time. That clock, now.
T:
6:44:44
